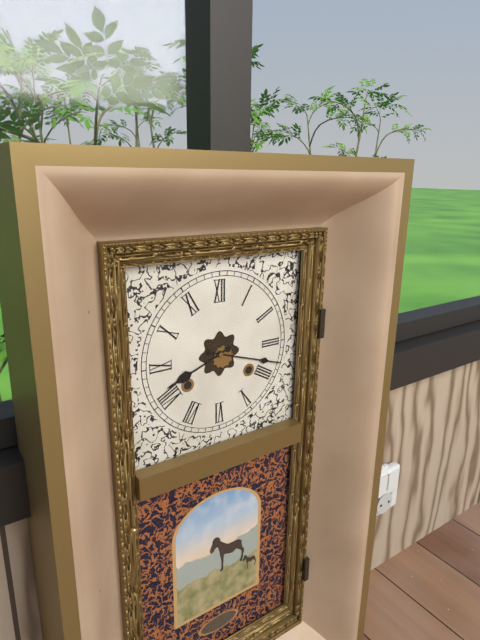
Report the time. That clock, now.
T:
8:18
